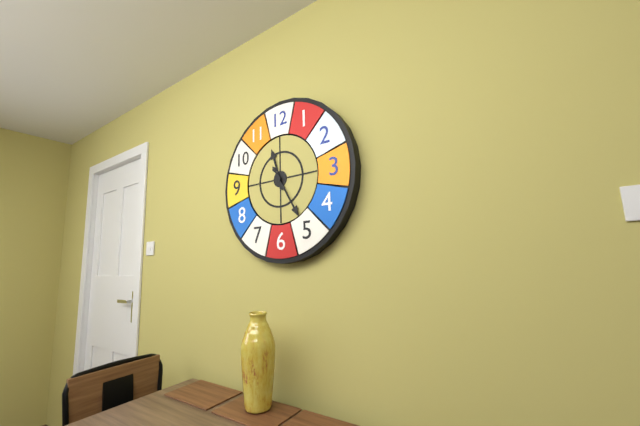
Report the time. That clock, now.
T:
11:25
